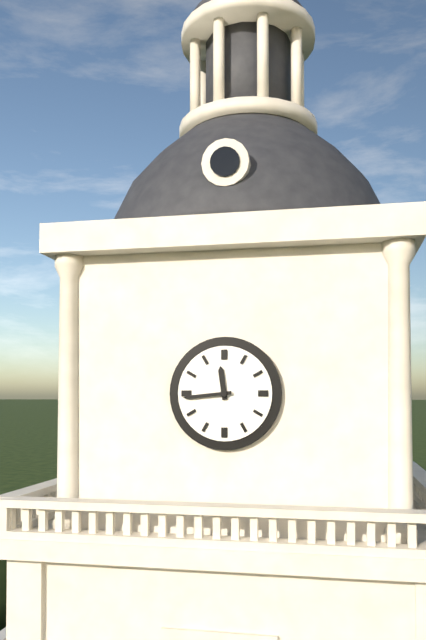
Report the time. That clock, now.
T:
11:44
